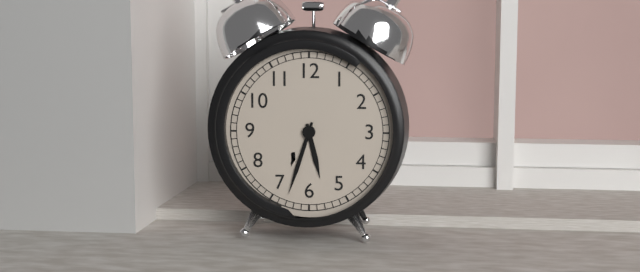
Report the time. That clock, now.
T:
5:33
